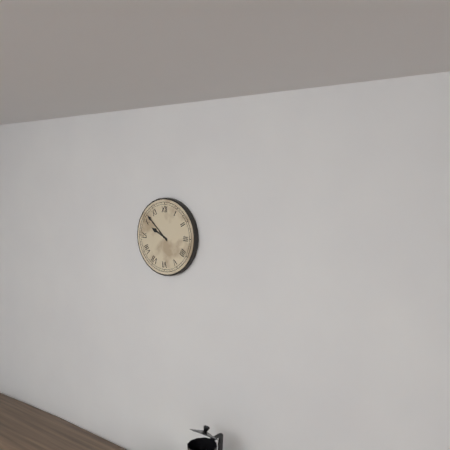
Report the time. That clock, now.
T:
9:52
